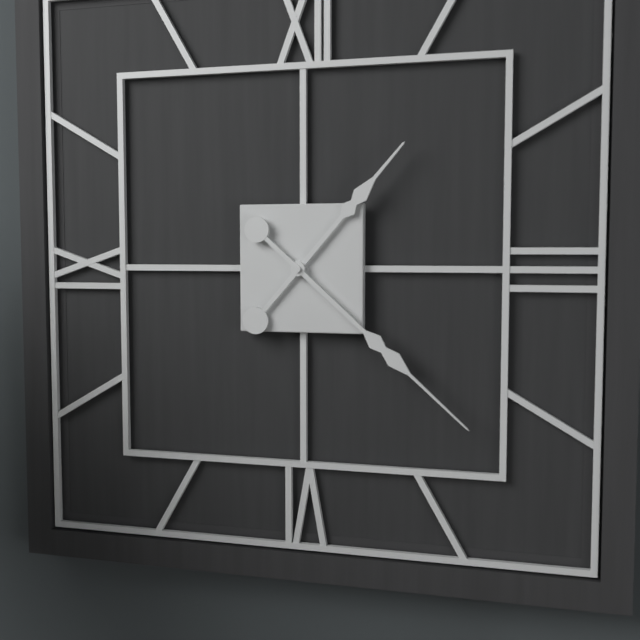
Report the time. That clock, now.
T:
1:22
